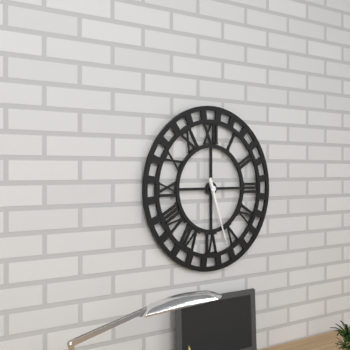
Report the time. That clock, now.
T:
5:27
